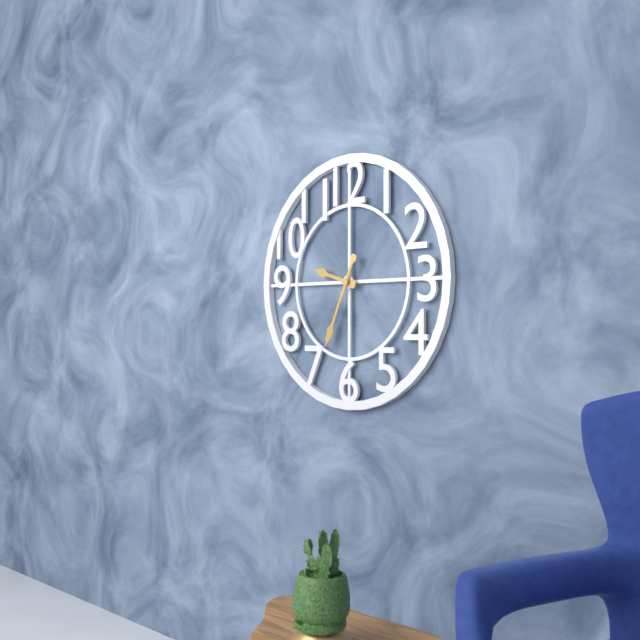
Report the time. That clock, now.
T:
9:34
